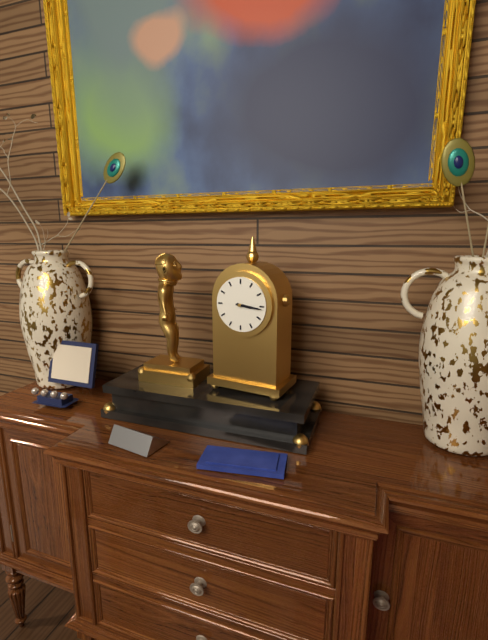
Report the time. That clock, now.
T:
3:16
